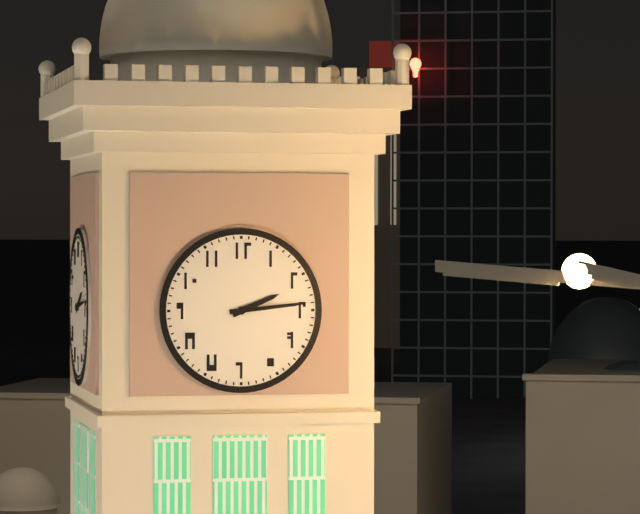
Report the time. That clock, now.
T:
2:14
